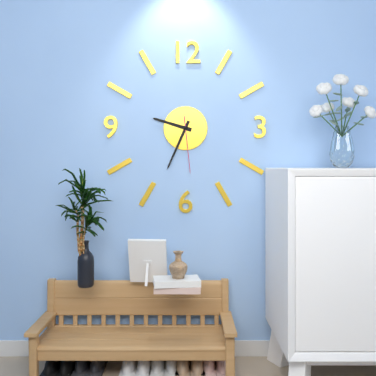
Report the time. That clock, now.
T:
9:34:29
